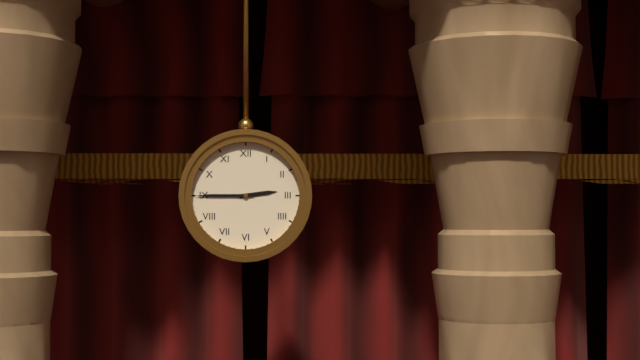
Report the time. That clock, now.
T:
2:45
